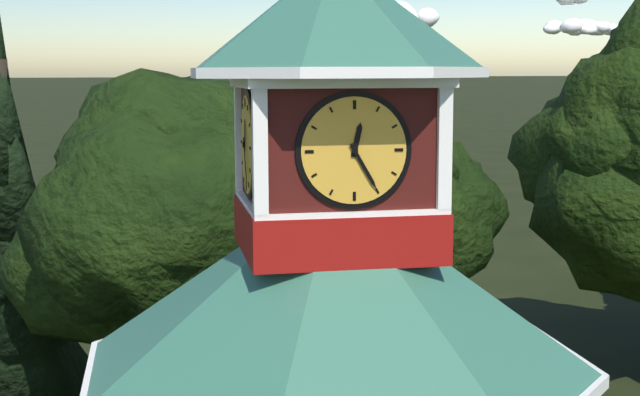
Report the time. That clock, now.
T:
12:25
